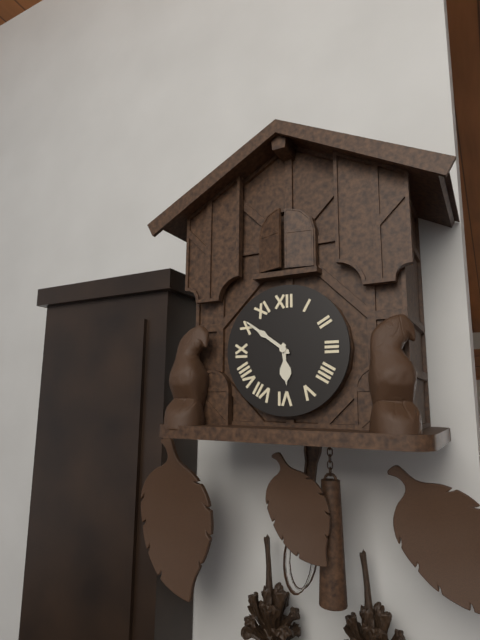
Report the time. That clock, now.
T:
5:51
